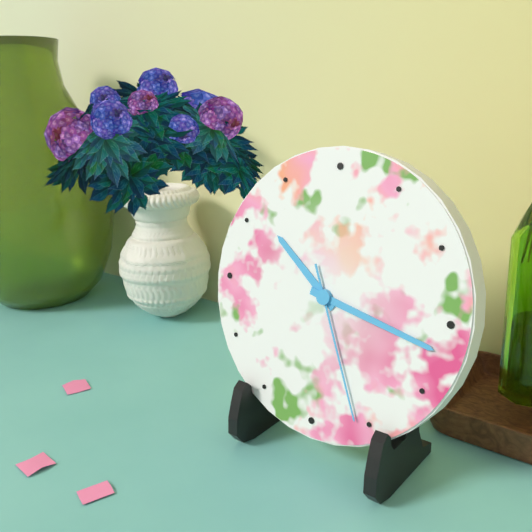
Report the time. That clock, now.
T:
10:17:26
